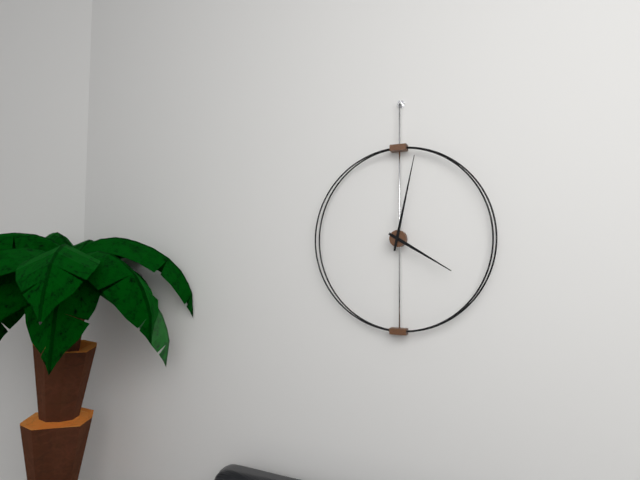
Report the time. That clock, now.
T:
4:02
